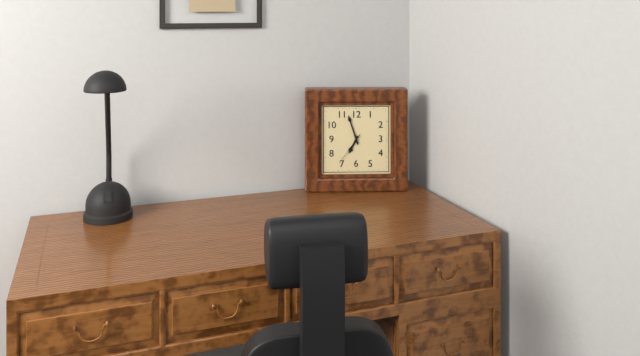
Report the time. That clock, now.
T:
6:57
